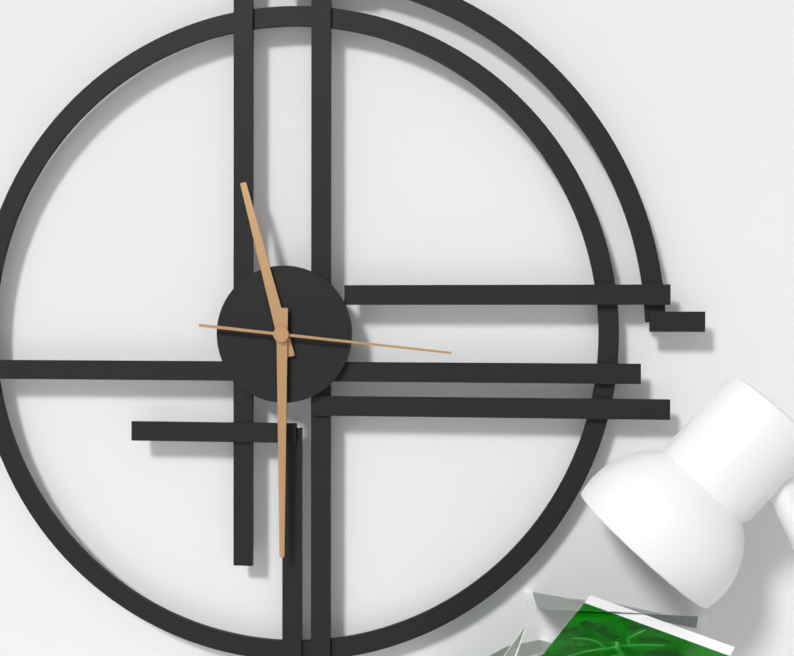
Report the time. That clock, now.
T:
11:30:16
